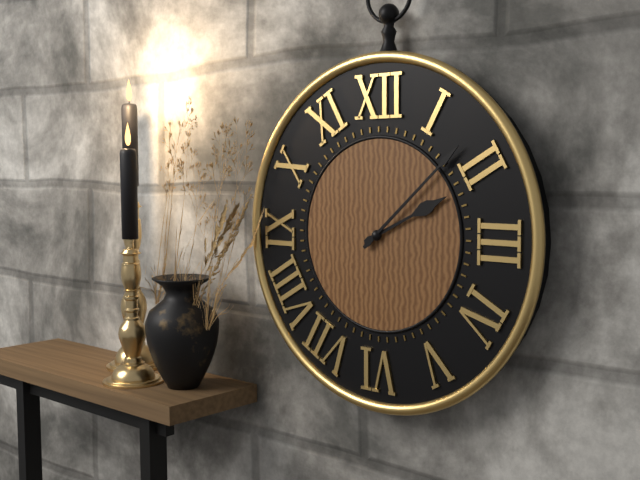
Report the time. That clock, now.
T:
2:08
